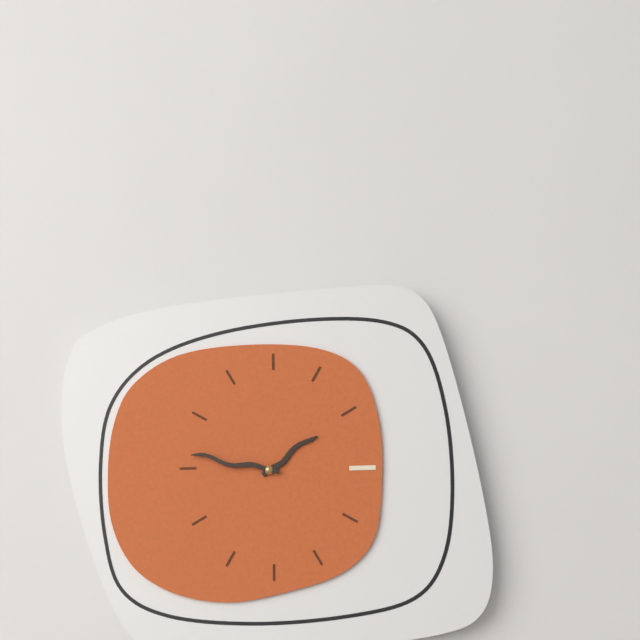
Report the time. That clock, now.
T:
1:47
